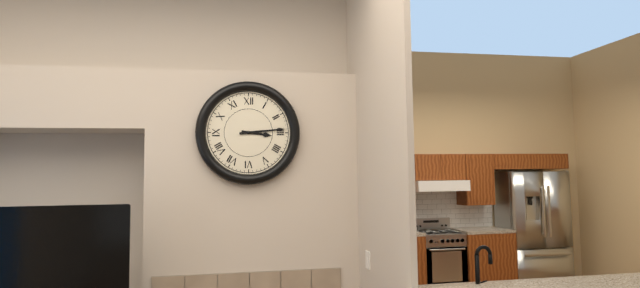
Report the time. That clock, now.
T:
3:14
